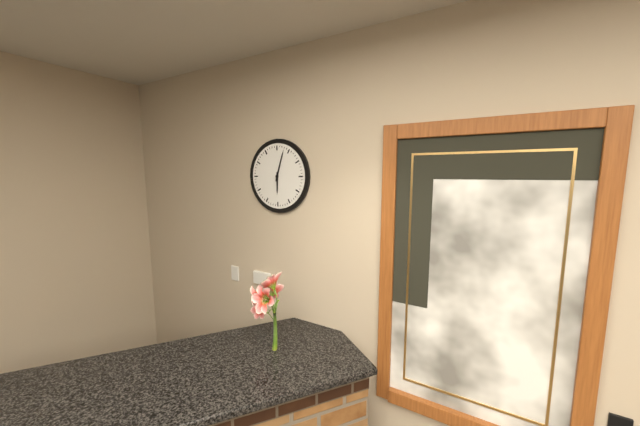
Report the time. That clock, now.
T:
6:03
